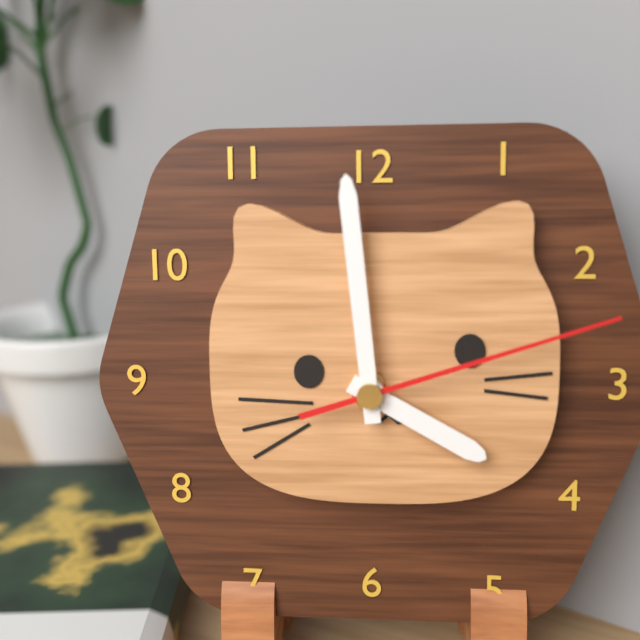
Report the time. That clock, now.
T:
3:59:12
